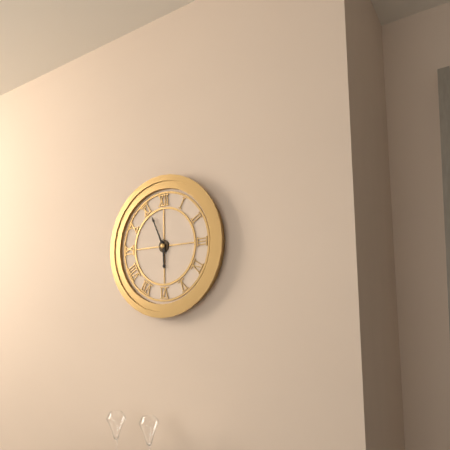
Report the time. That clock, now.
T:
5:56
